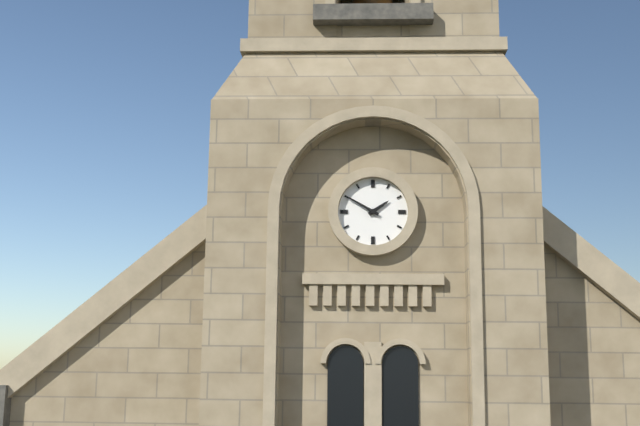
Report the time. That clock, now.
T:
1:50
